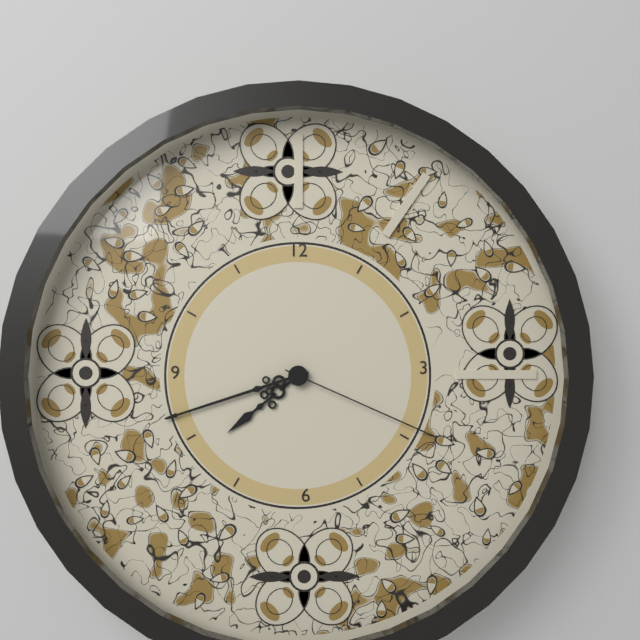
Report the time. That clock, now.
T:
7:42:19
